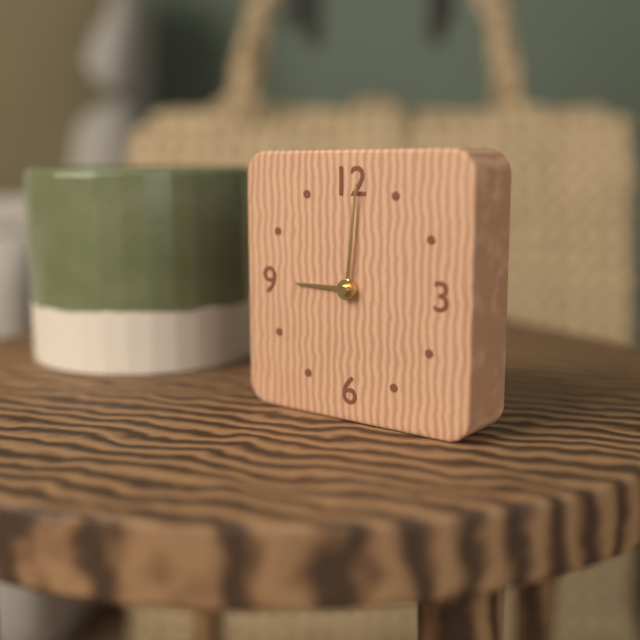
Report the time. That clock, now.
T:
9:01
